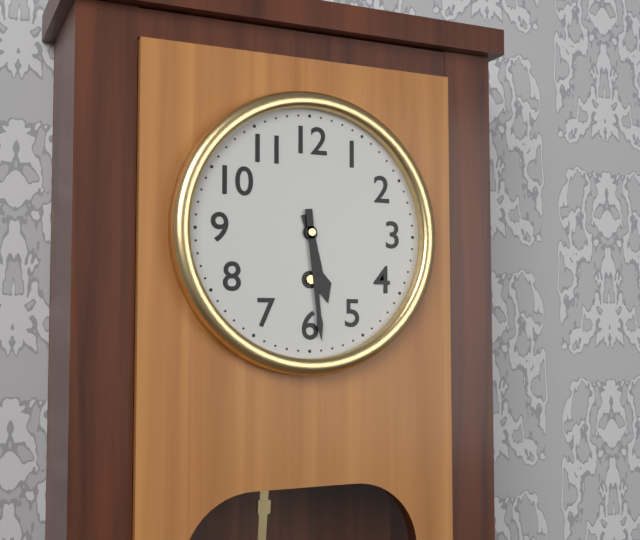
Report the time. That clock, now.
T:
5:29
